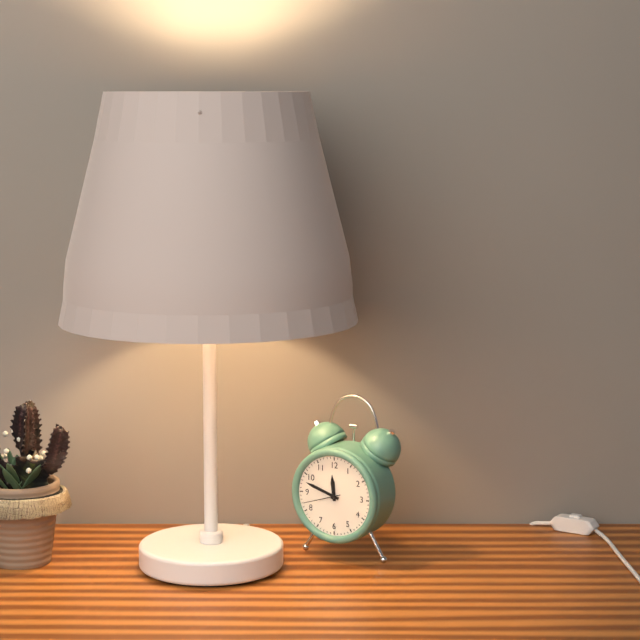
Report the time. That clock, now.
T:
11:48
